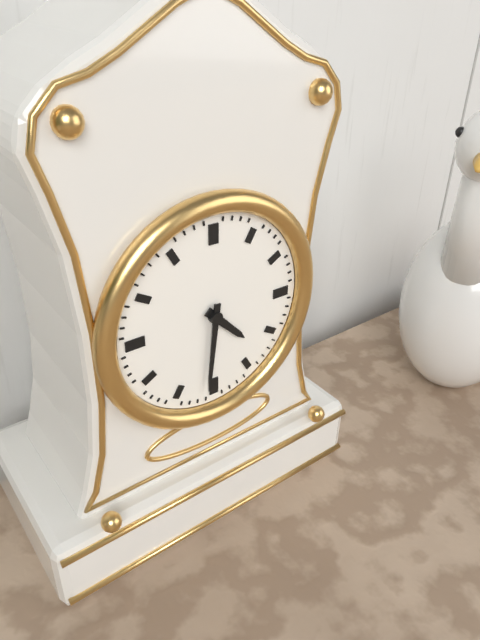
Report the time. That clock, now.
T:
4:31
